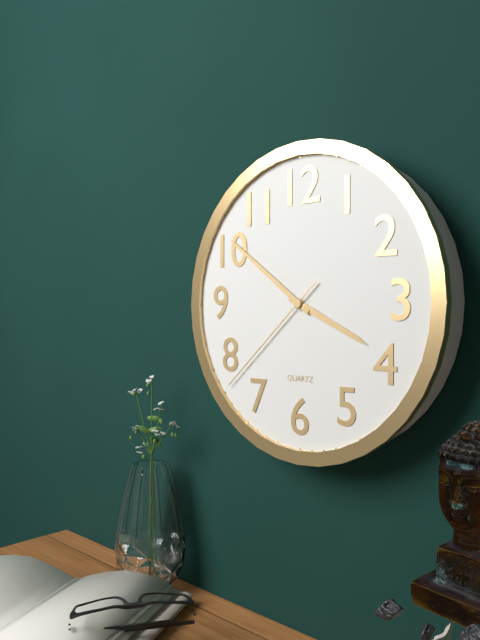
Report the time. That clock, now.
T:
3:51:38
